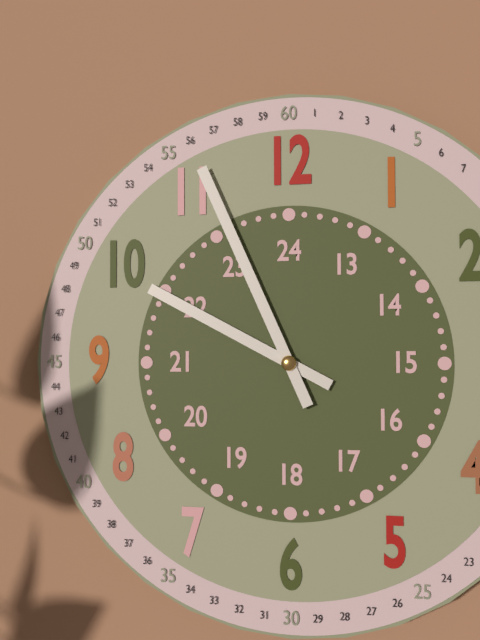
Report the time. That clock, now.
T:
9:56
